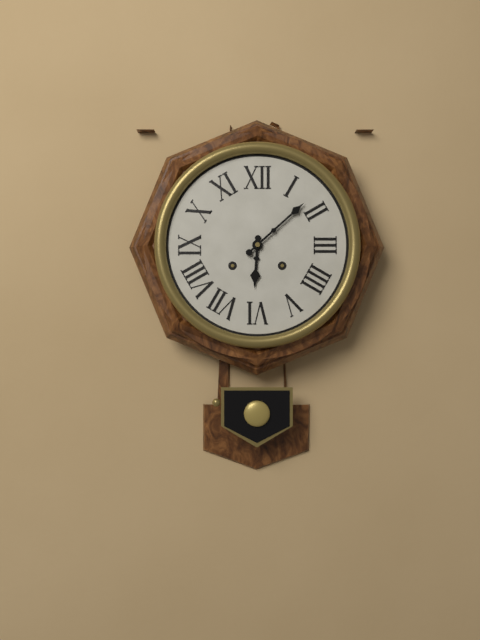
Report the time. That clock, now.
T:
6:08
